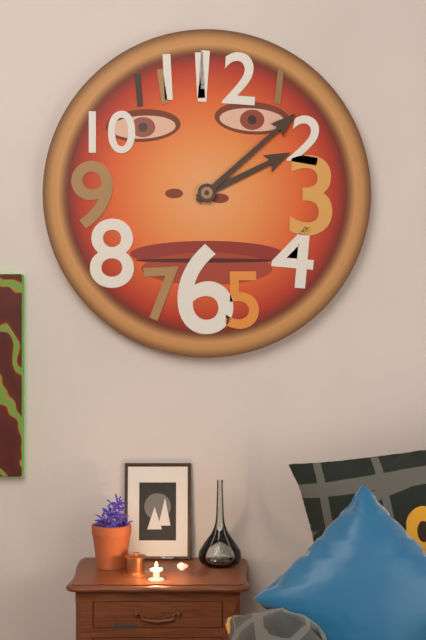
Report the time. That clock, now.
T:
2:08
